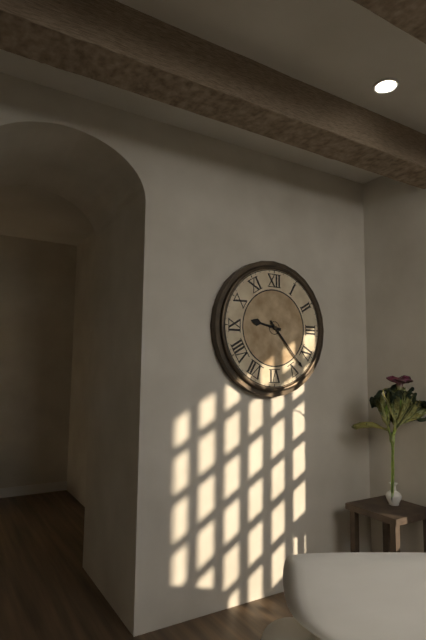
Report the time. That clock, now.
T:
9:23
